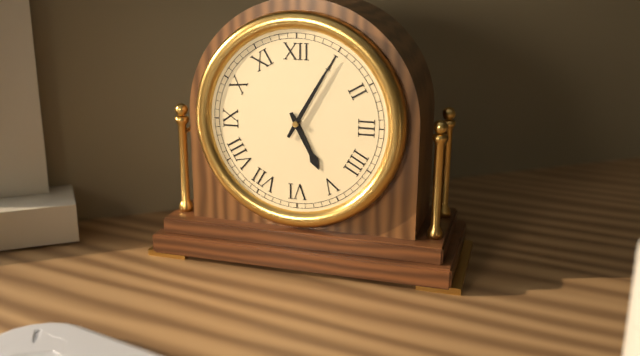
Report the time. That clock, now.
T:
5:05
